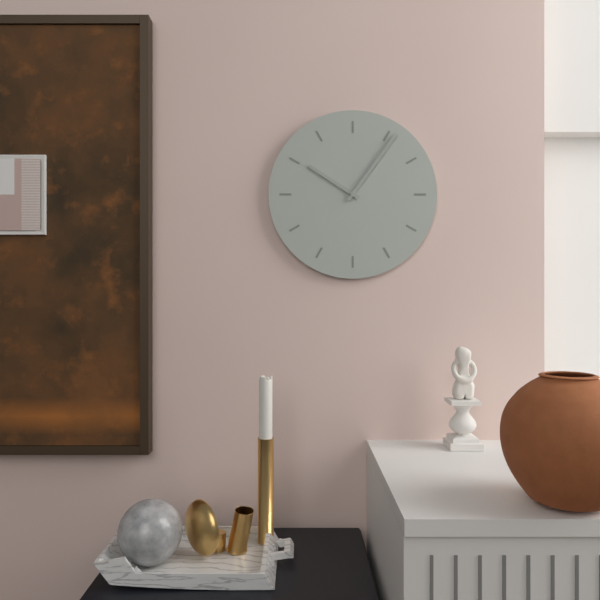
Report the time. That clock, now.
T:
10:06
